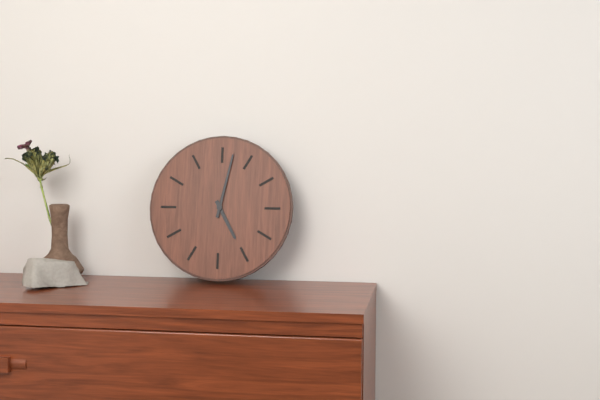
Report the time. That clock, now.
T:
5:02
